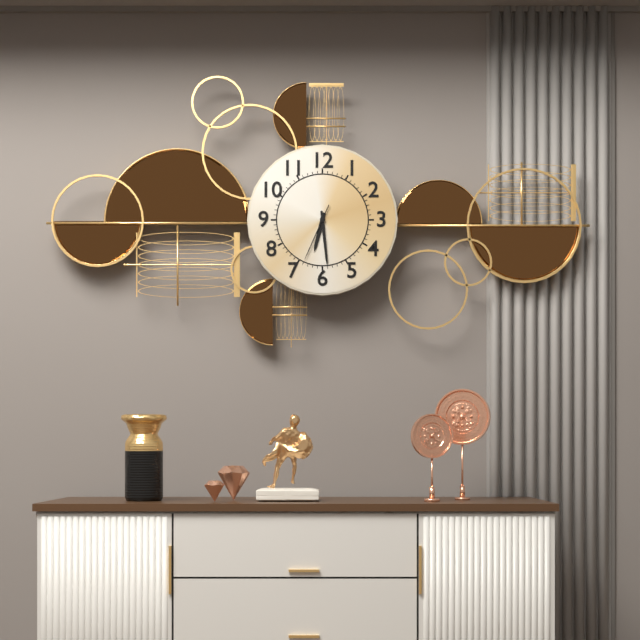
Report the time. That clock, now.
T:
6:29:34
